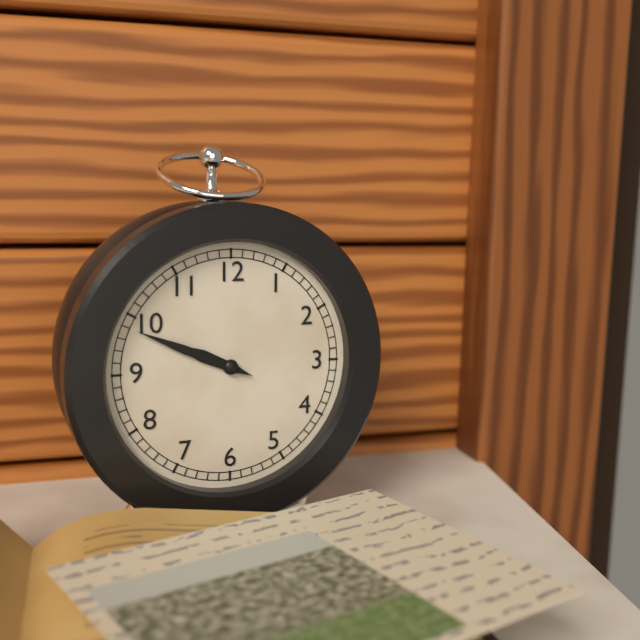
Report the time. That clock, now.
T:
9:49
